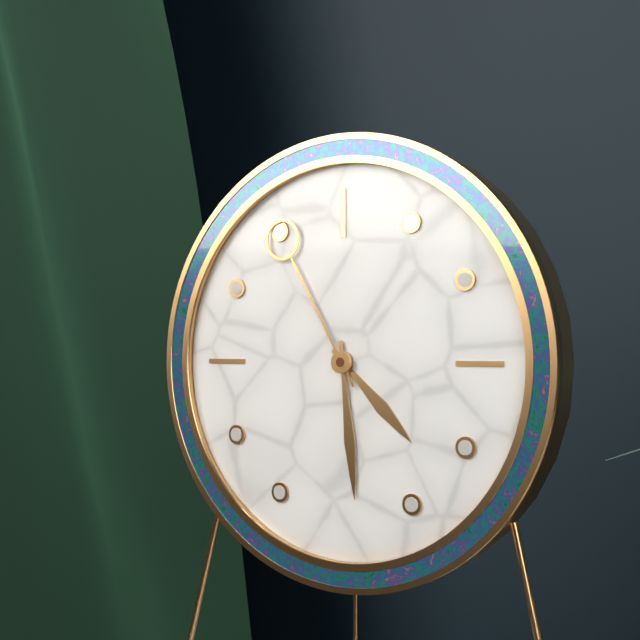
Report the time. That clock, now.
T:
4:29:55
